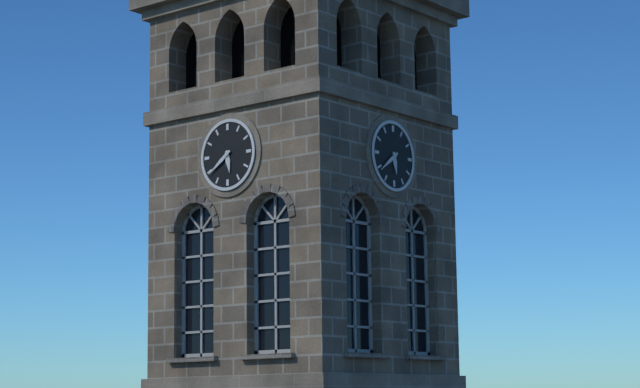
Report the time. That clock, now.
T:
5:39
